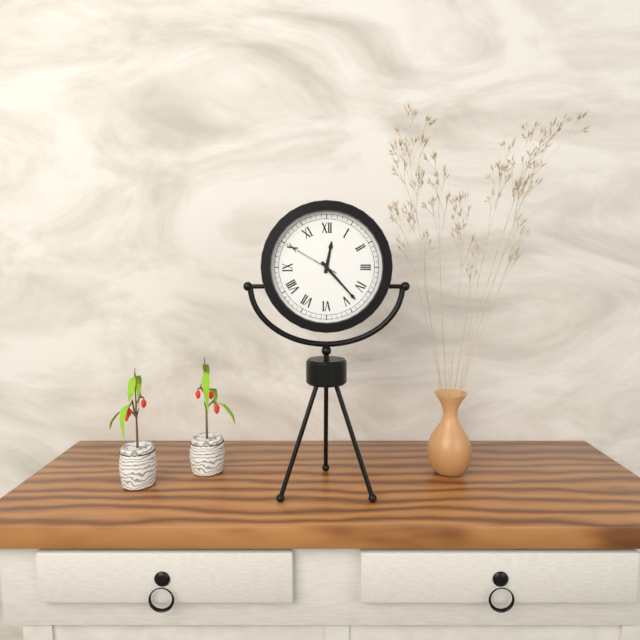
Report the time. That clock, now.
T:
12:23:50
